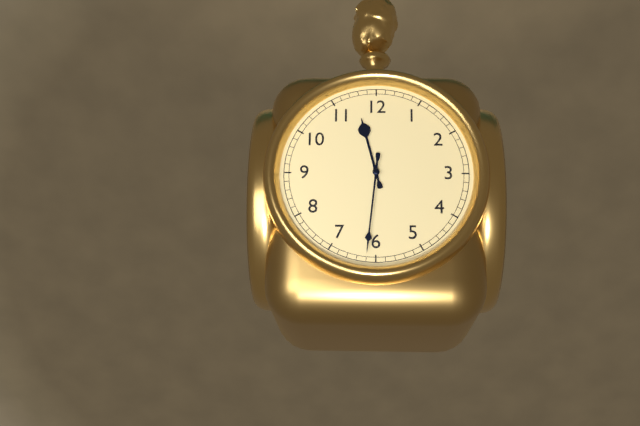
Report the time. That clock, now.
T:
11:31
